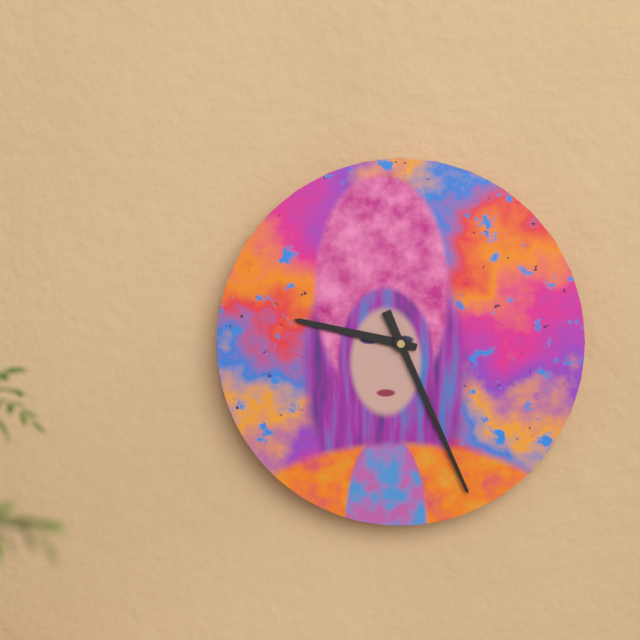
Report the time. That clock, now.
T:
9:26
